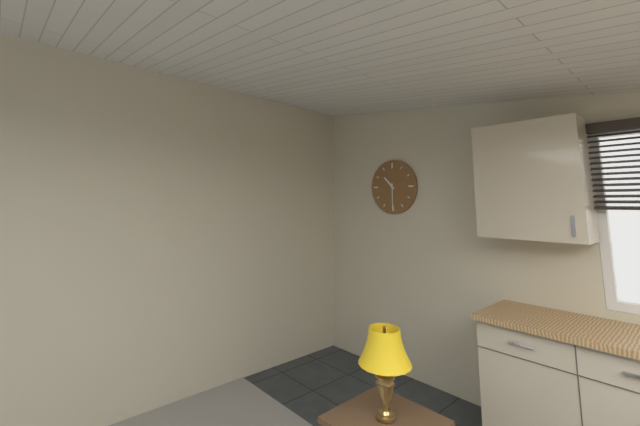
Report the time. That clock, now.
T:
10:30
